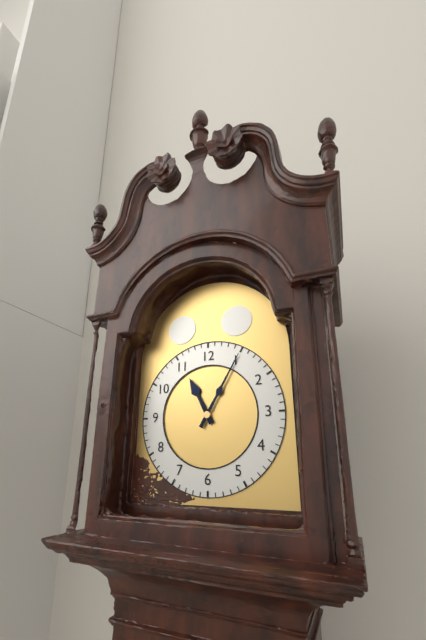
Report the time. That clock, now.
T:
11:05
